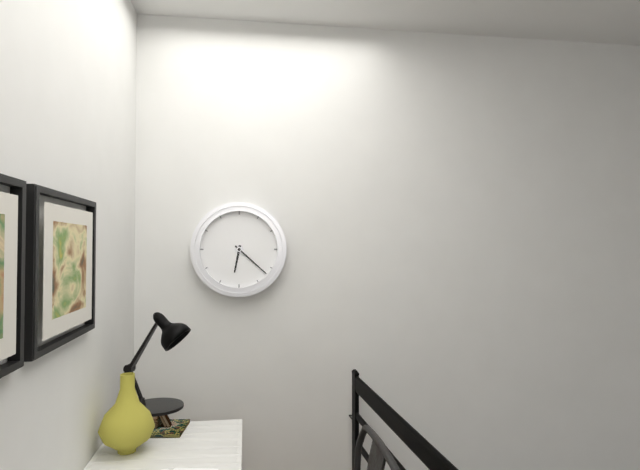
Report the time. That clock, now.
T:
6:22
